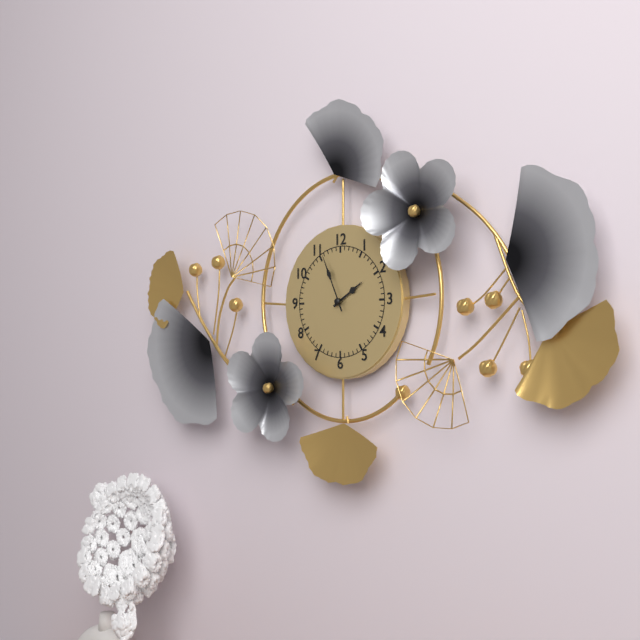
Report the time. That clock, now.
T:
1:56
